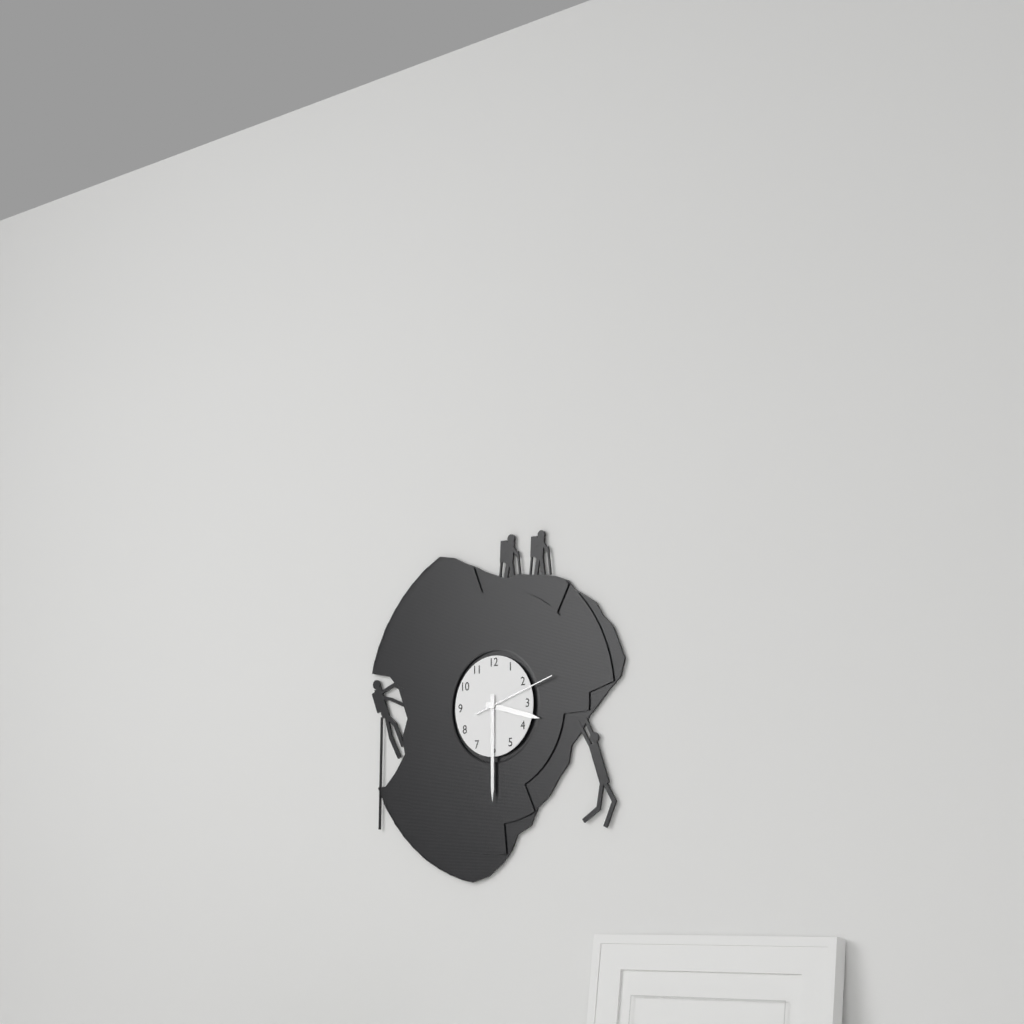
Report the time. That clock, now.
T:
3:30:12
